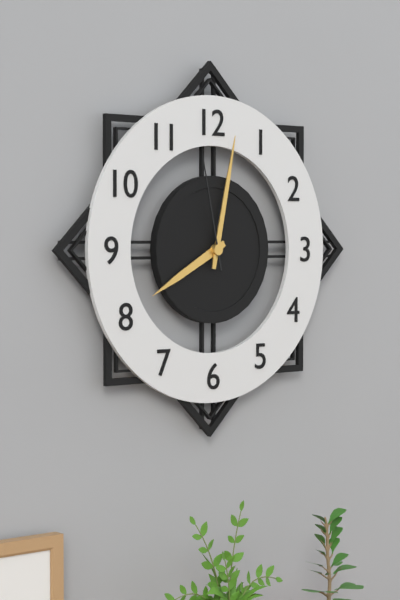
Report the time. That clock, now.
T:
8:02:58
